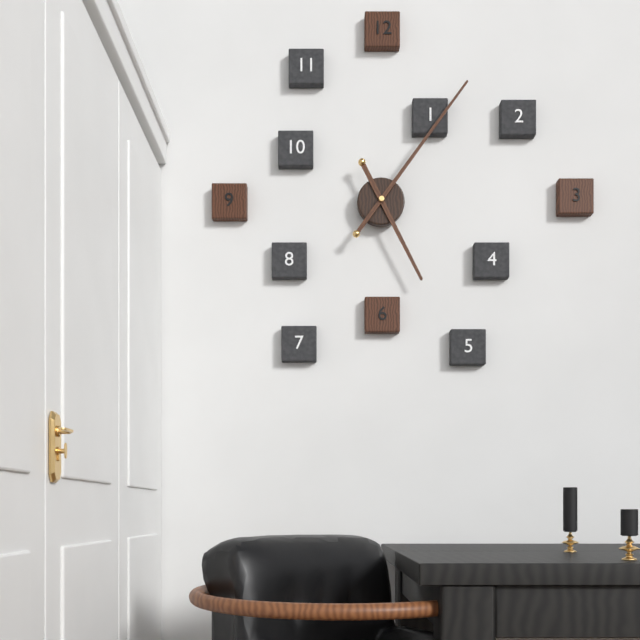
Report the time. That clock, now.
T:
5:06
